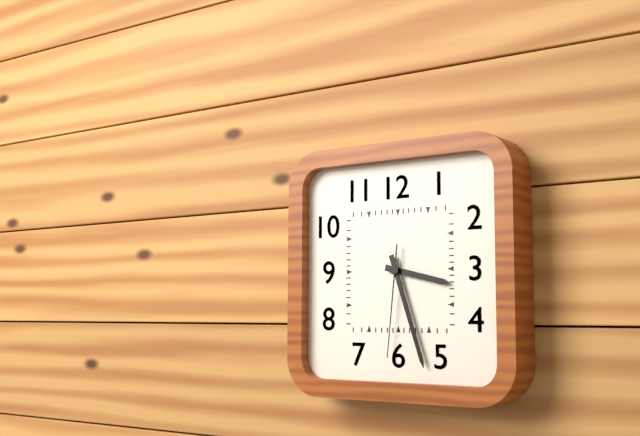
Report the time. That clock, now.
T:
3:27:31
